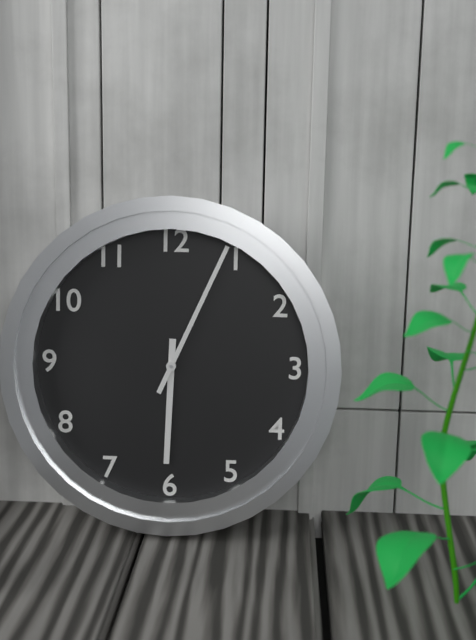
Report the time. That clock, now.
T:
6:04
